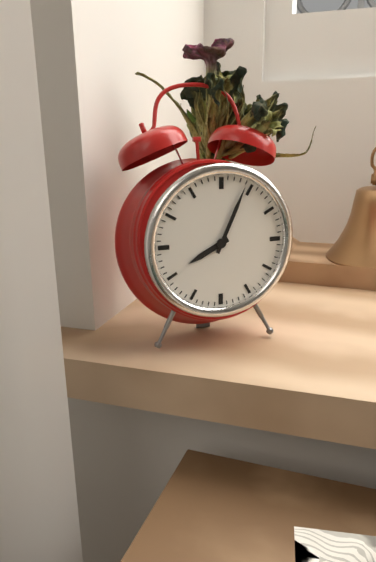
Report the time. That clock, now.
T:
8:04
